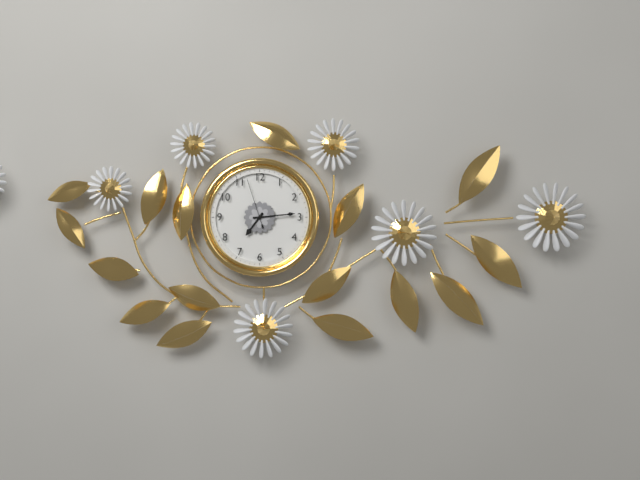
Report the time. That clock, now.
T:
7:14:57
